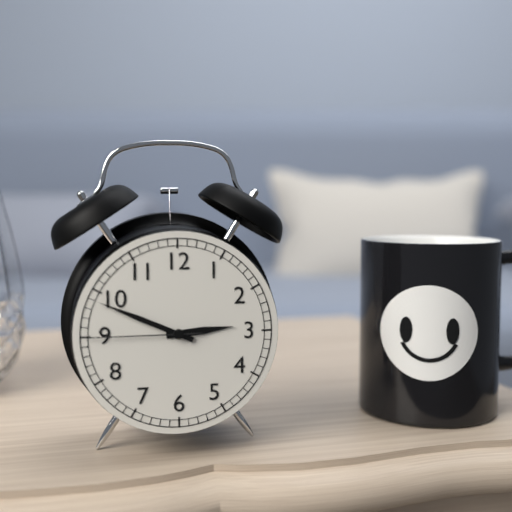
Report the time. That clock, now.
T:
2:49:45
